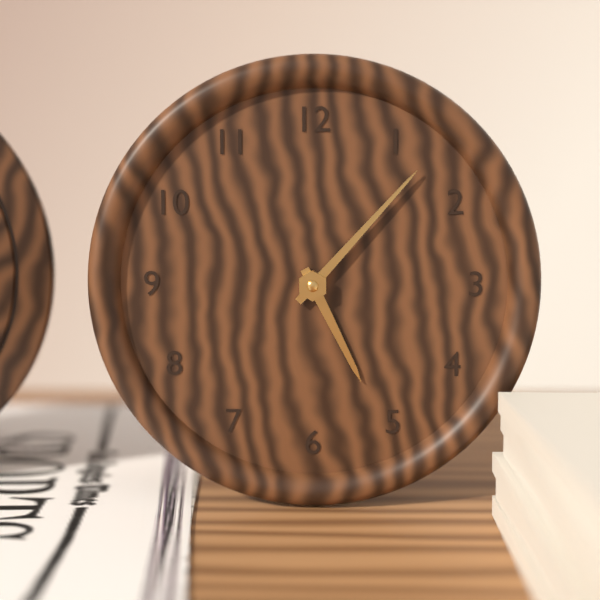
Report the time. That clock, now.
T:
5:07
